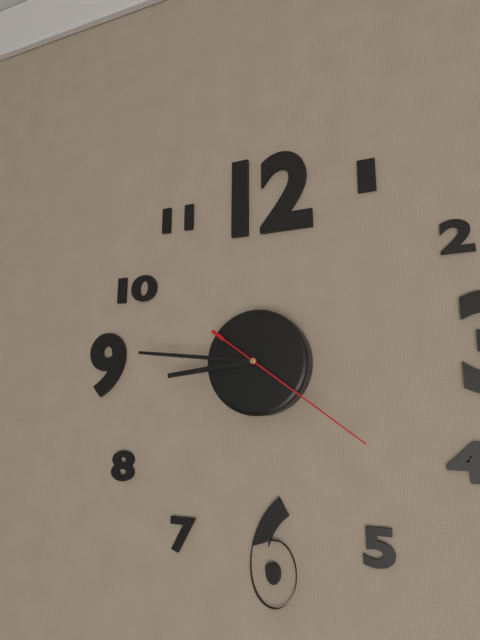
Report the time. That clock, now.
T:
8:46:21
